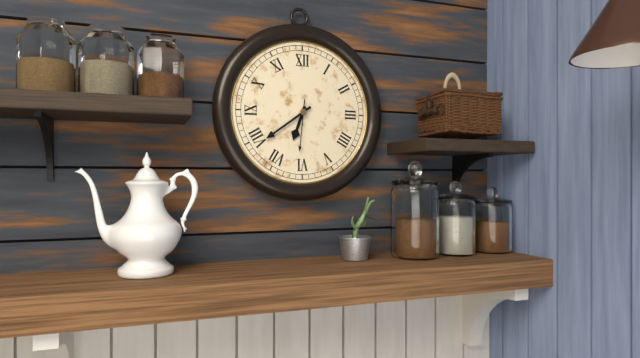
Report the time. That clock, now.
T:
6:39
